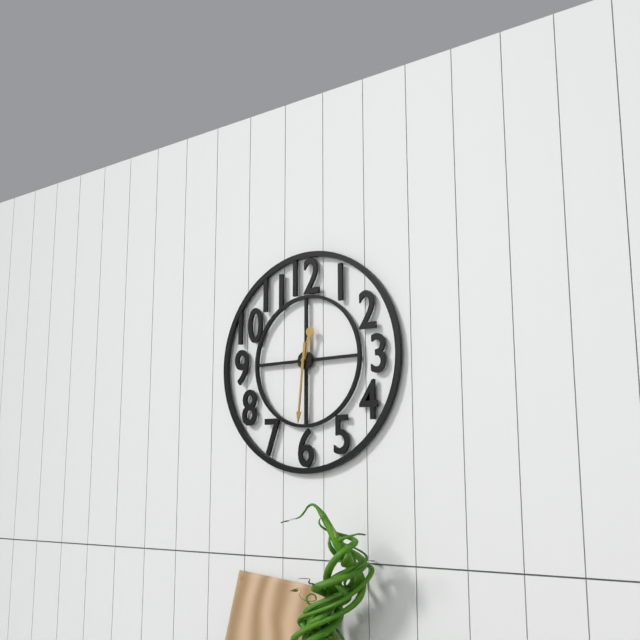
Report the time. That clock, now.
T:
12:31
